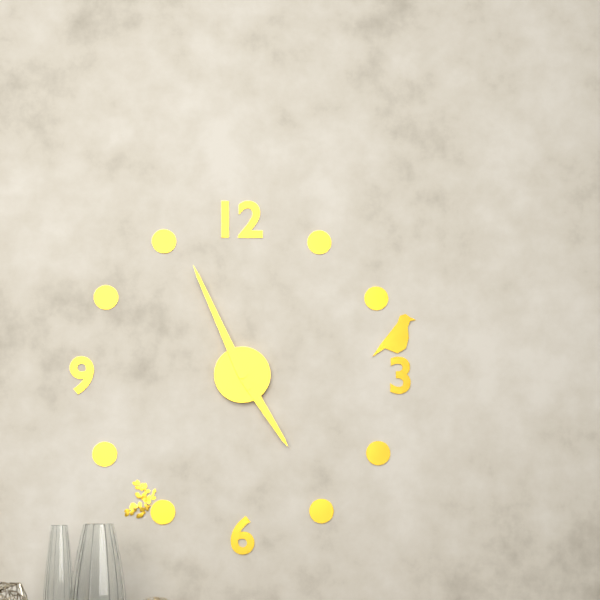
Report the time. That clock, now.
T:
4:56
